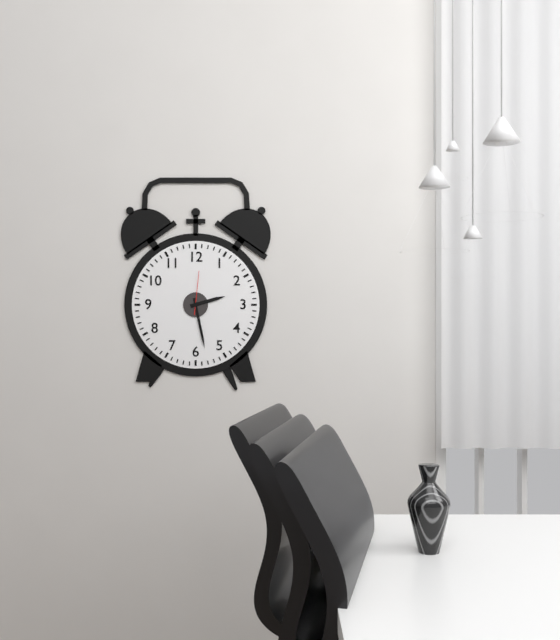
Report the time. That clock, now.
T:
2:28
